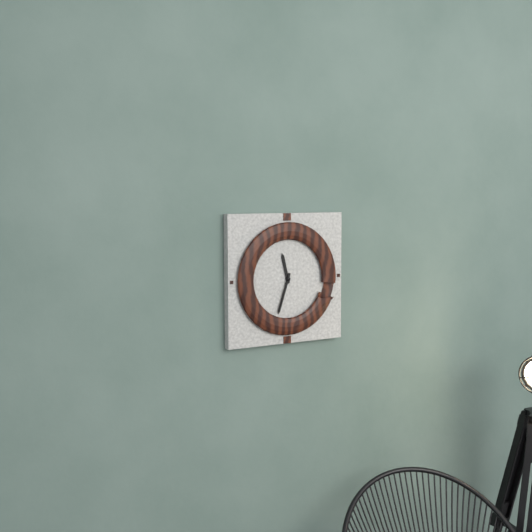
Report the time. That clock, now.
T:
11:33
